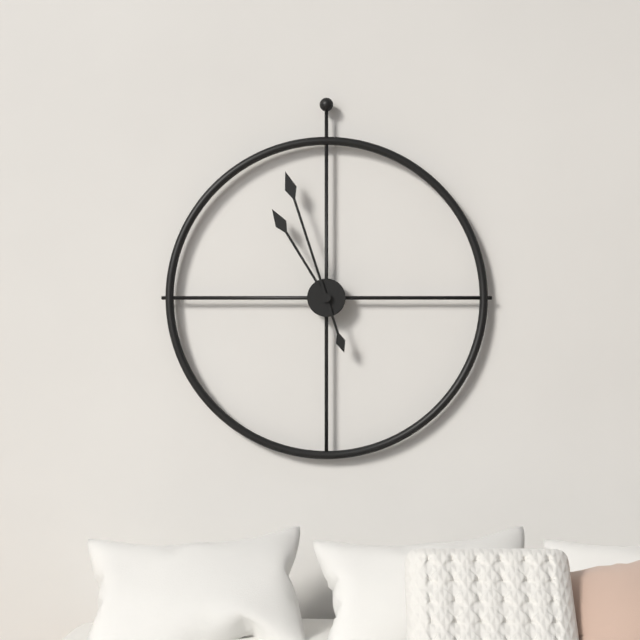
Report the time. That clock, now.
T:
10:57
